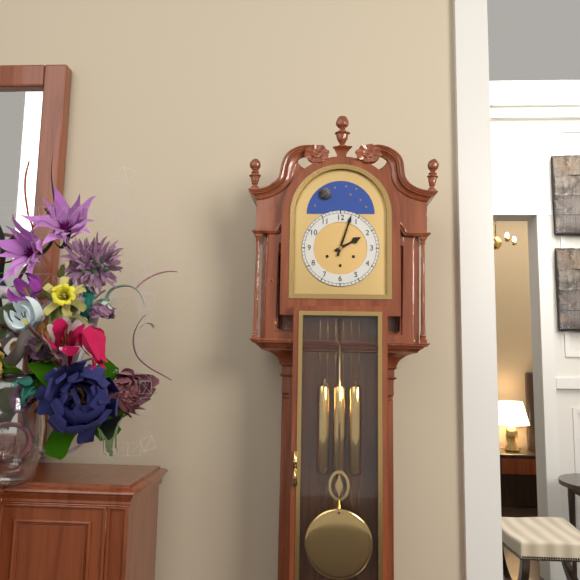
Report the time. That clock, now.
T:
2:03
